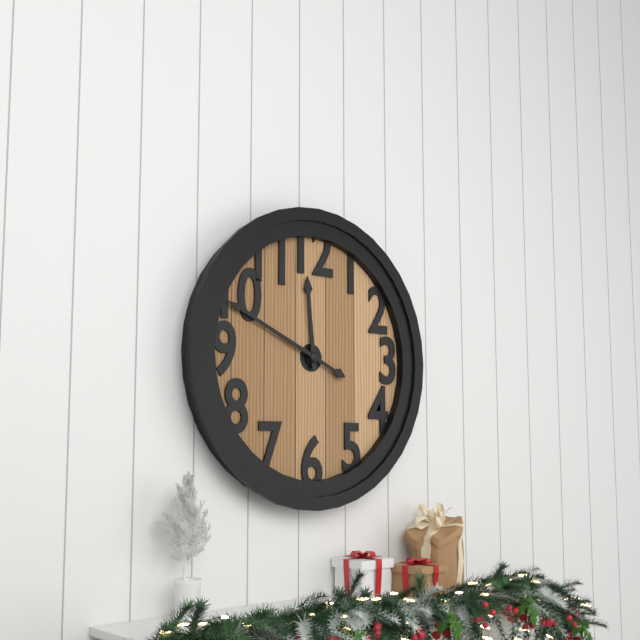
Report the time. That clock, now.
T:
11:49
